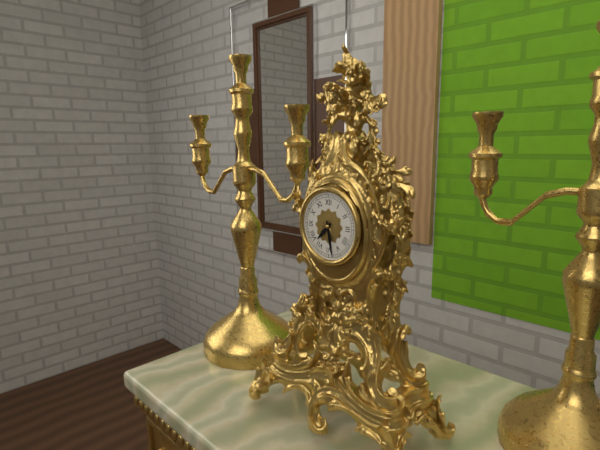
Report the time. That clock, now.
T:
7:28
